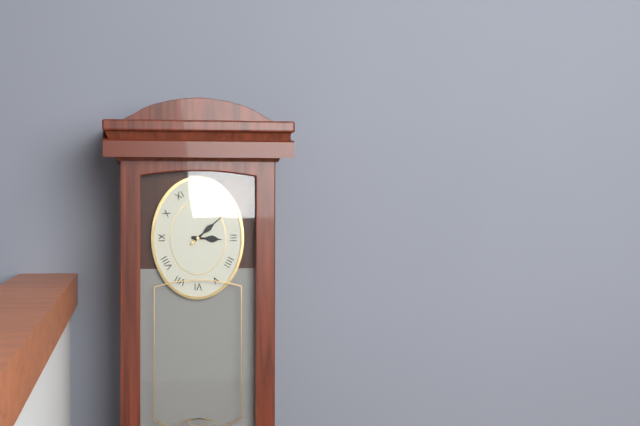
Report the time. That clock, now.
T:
3:08
